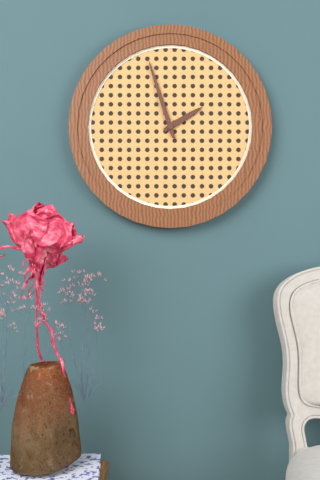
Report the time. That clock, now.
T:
1:57
